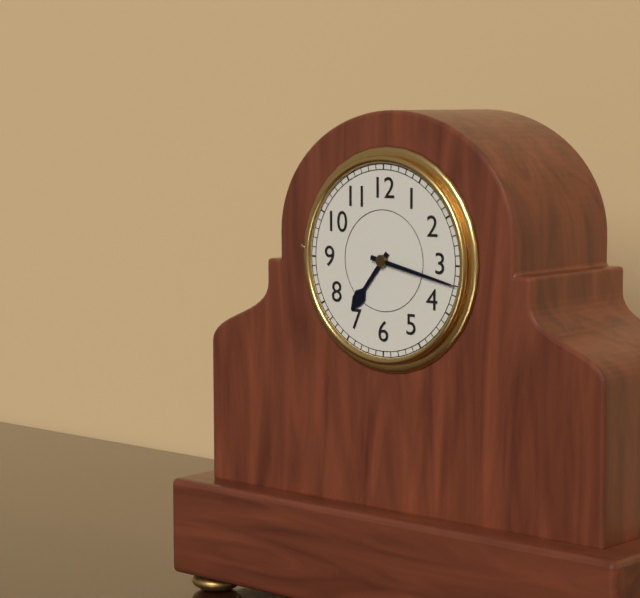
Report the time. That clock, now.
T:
7:17
